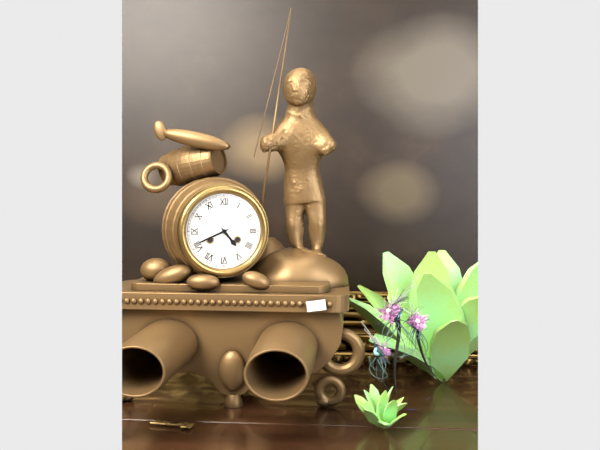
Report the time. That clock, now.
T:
4:41
